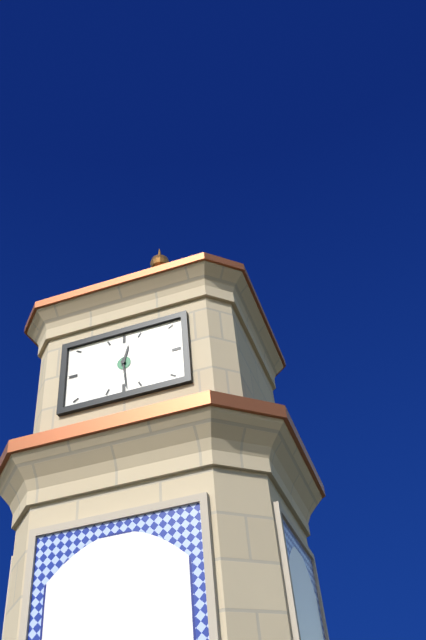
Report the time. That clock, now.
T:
12:29
